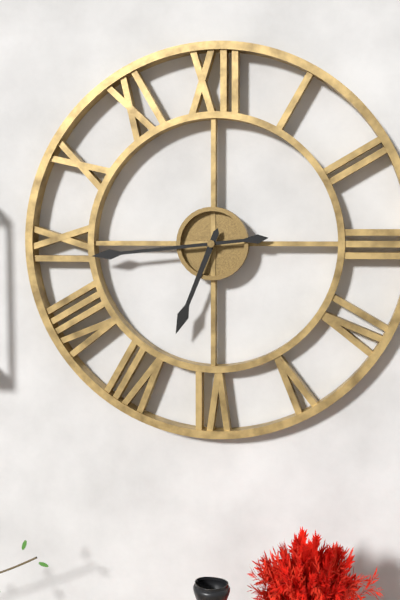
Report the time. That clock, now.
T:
6:44
